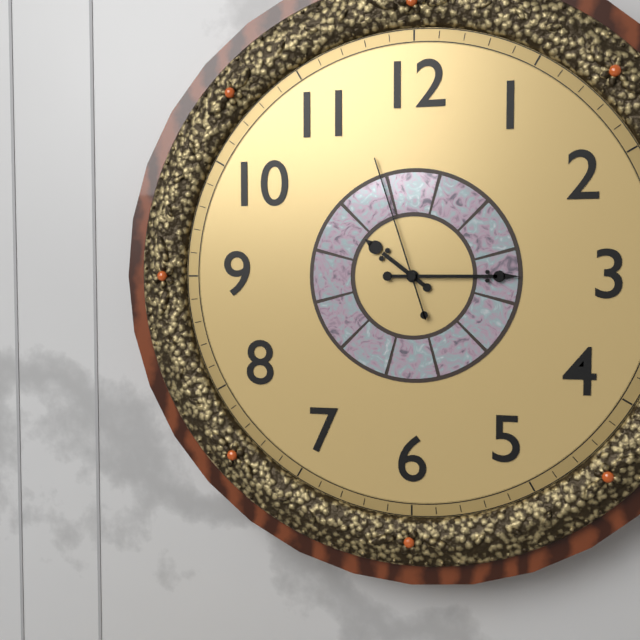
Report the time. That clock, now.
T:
10:15:57
